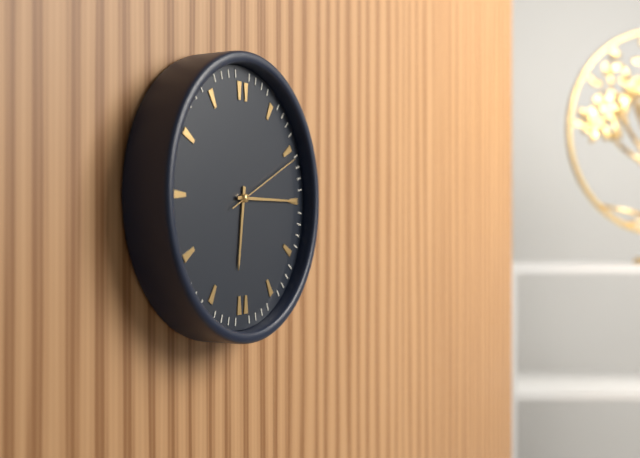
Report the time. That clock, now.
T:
6:15:11
